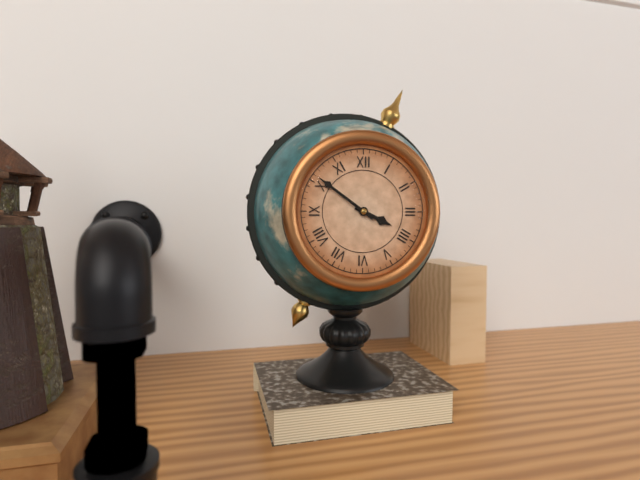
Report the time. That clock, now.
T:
3:51
